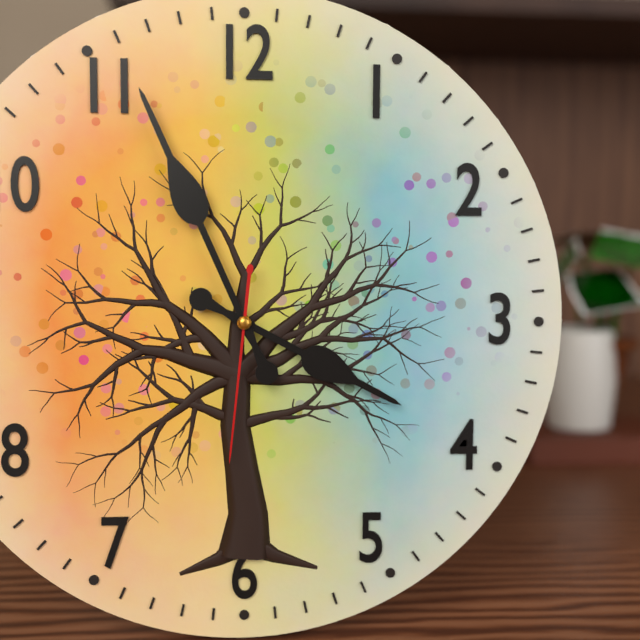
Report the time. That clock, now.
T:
3:56:31
